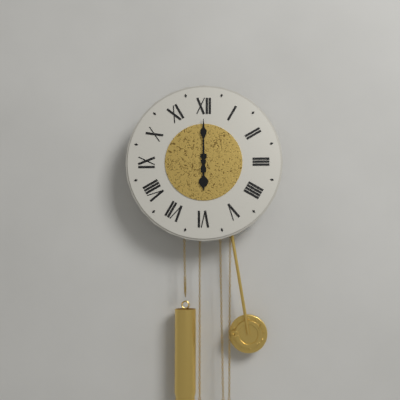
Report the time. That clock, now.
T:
6:00
